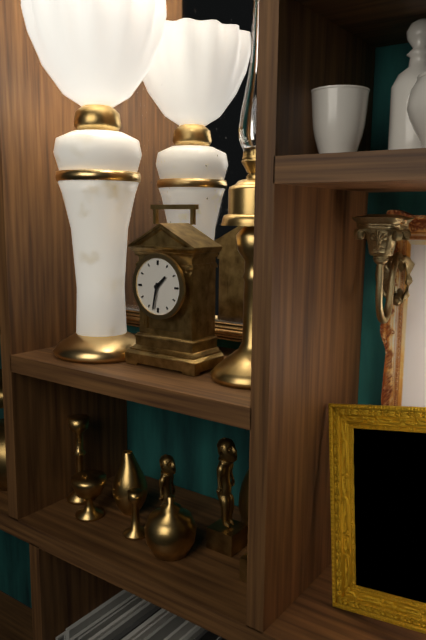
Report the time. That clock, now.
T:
1:32
